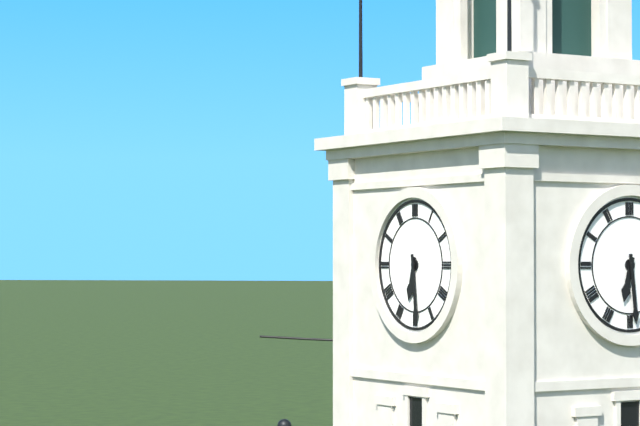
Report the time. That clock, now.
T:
6:29
